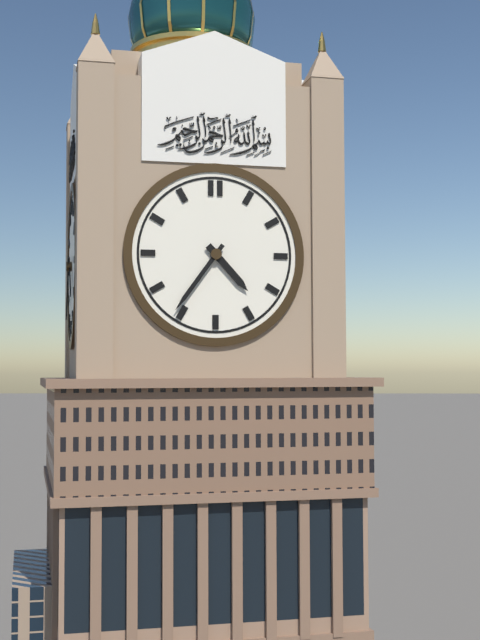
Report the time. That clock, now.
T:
4:36
